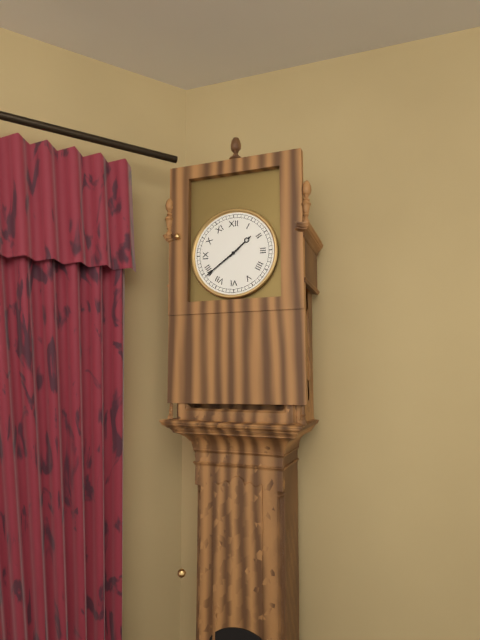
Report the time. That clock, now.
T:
1:39
